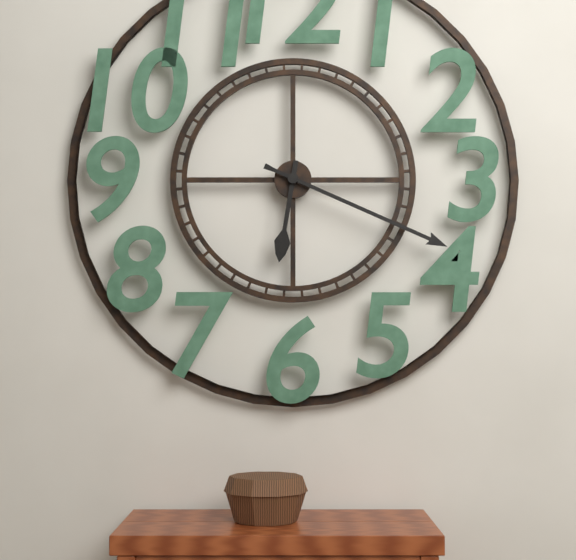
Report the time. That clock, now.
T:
6:19
